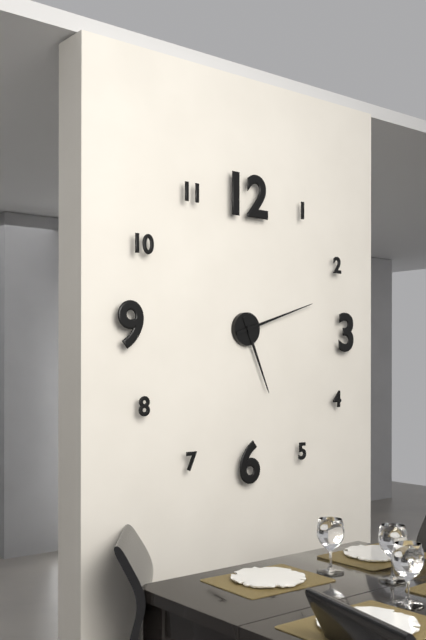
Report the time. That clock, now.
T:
5:12
